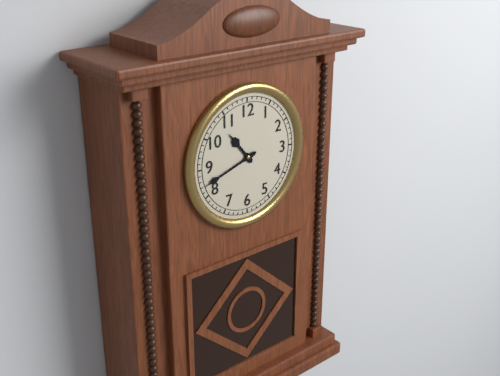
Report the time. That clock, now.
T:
10:42
